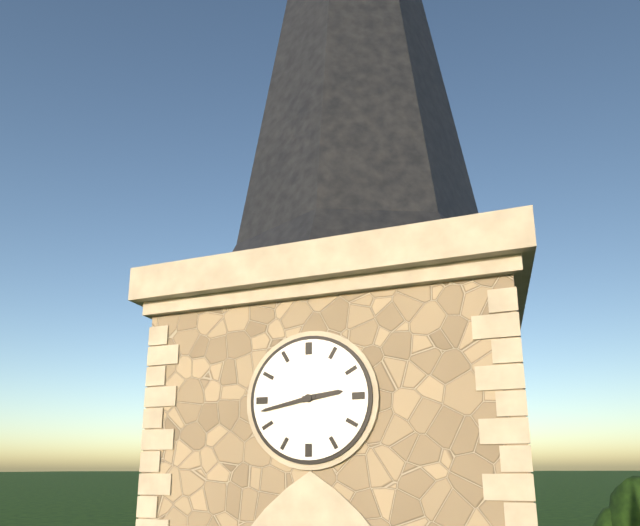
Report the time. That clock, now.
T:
2:43
